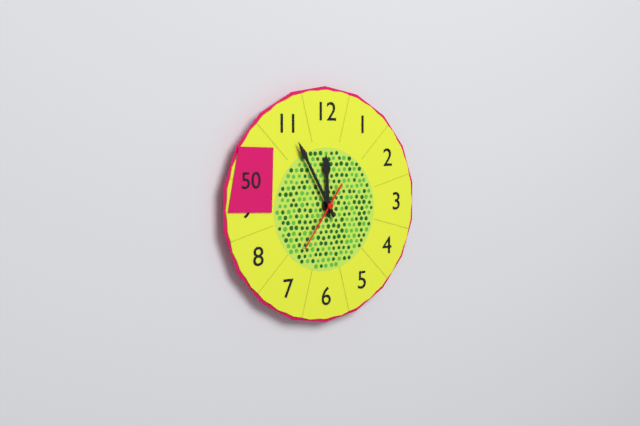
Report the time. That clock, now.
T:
11:55:36
